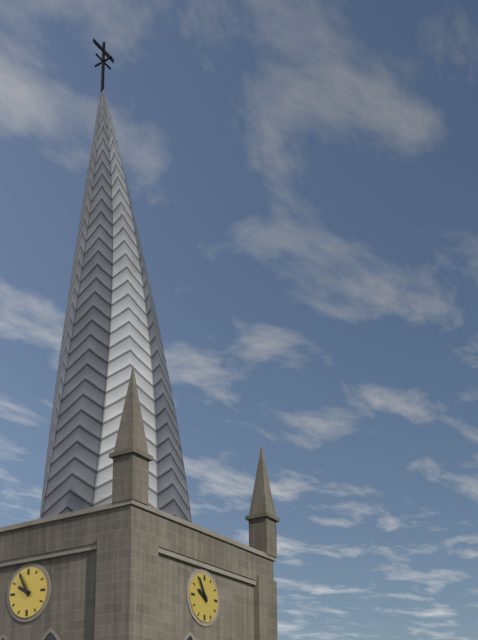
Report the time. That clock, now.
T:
9:55
